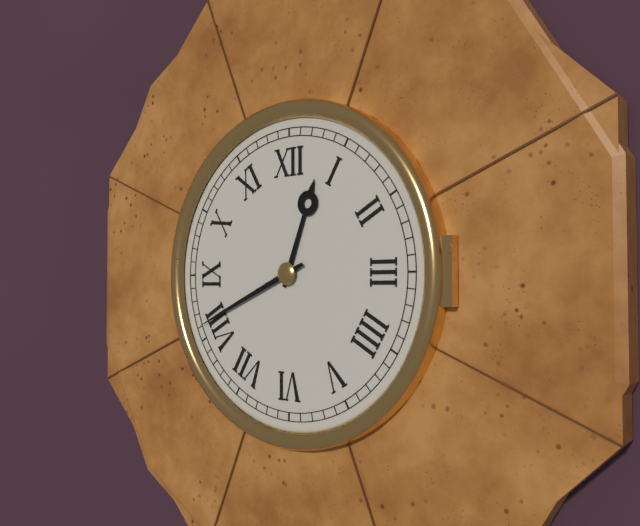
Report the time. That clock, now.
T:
12:41
